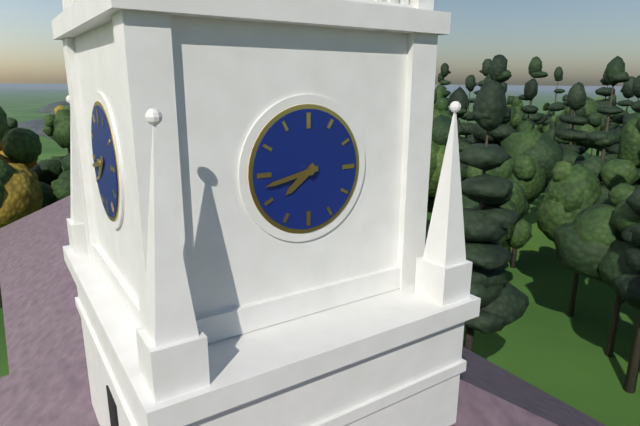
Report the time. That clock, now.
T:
7:43
